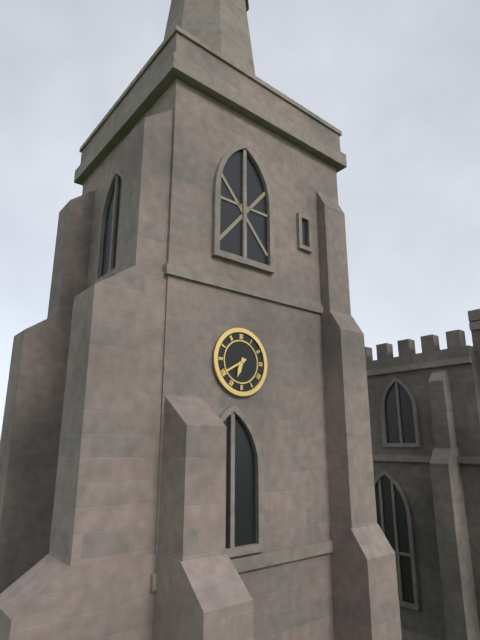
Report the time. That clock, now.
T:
6:40
